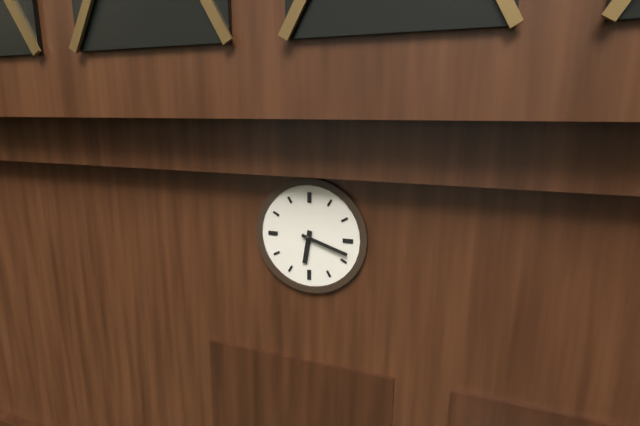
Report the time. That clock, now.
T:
6:18
